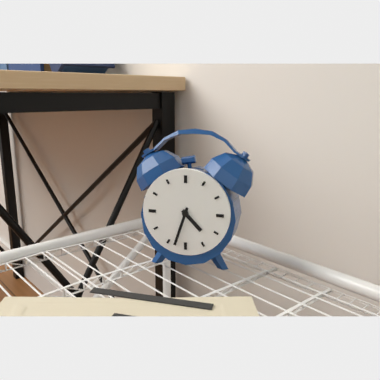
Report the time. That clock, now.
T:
4:33
